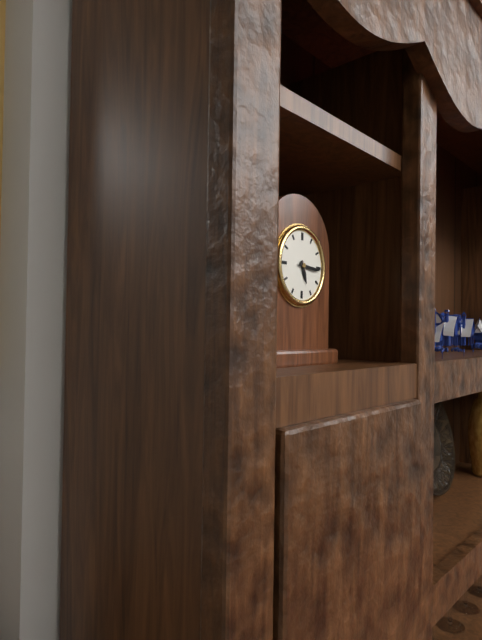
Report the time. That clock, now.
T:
5:16
